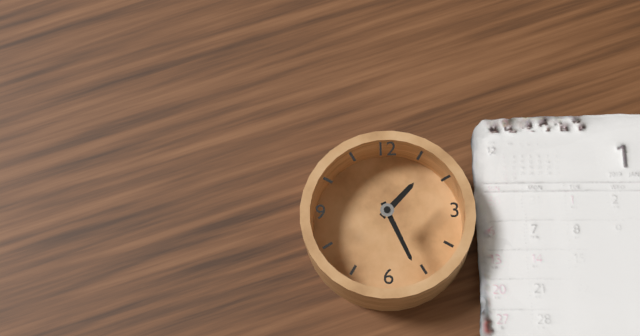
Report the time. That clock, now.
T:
1:26
